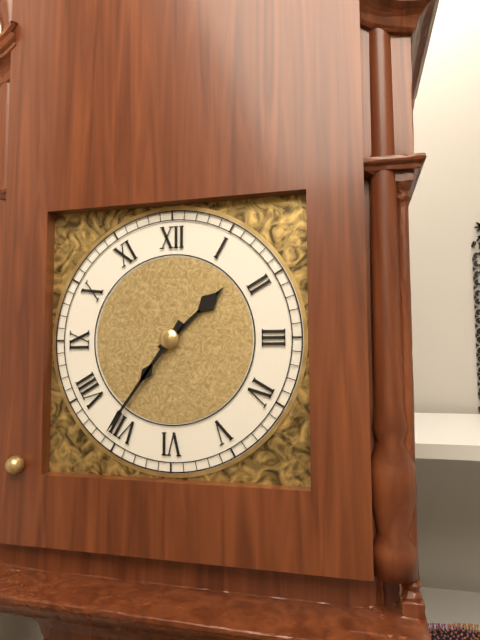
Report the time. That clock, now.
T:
1:36
